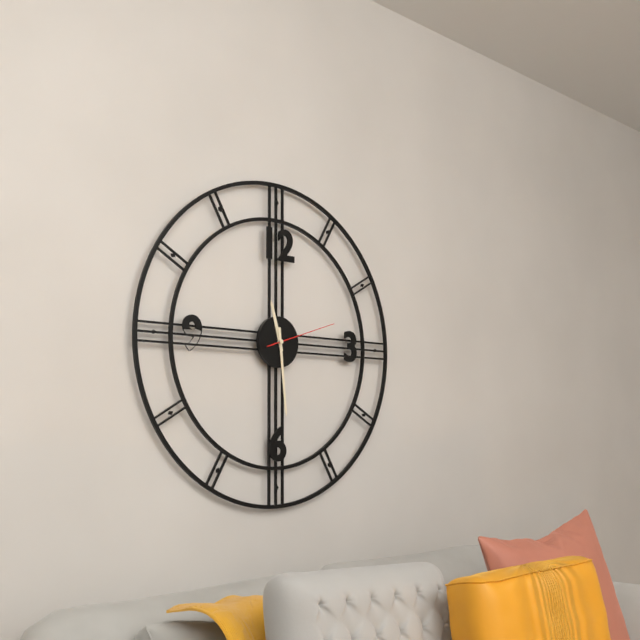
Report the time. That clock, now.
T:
11:29:12
